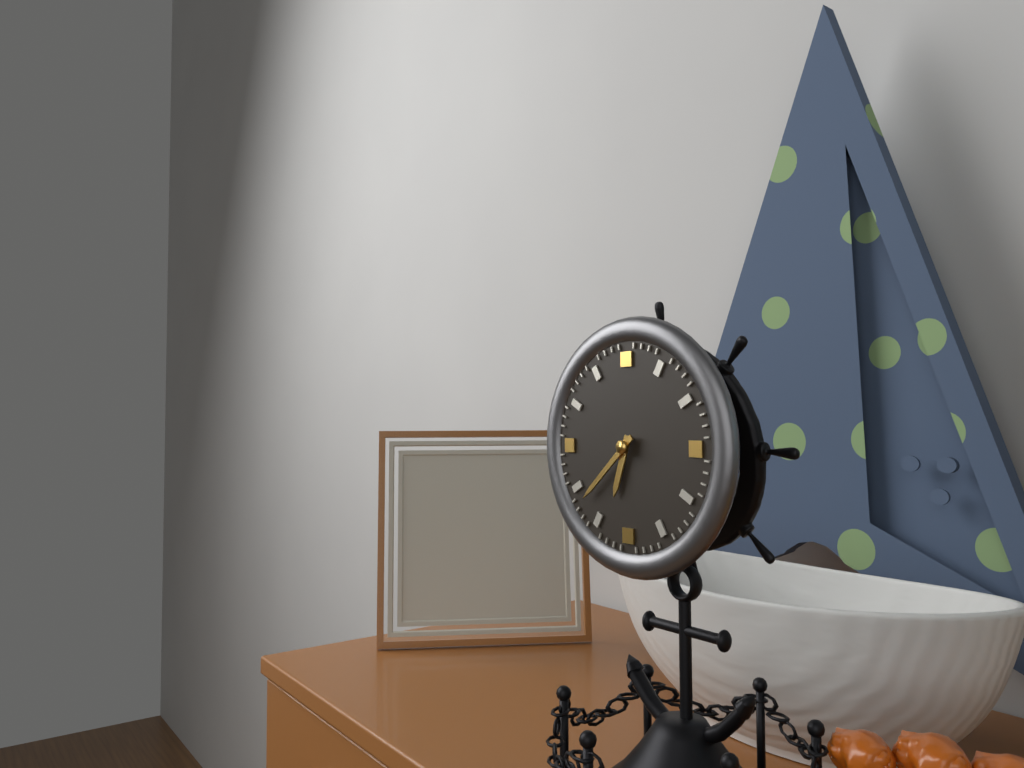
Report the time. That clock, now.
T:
6:38
